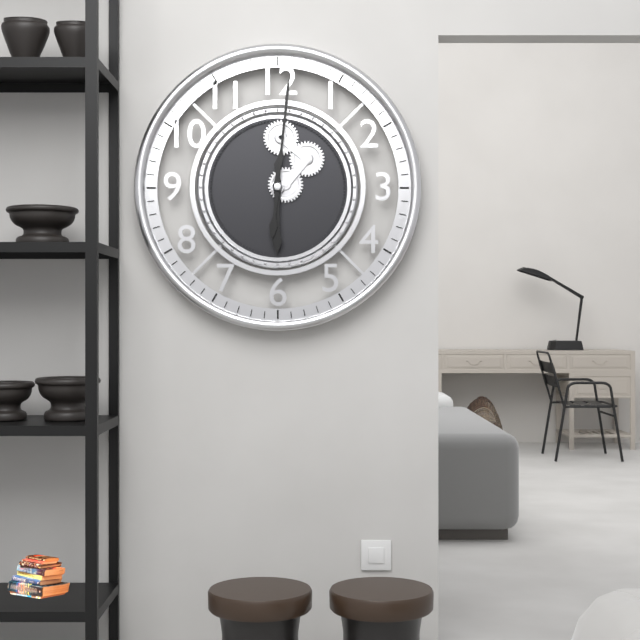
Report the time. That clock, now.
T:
6:01
